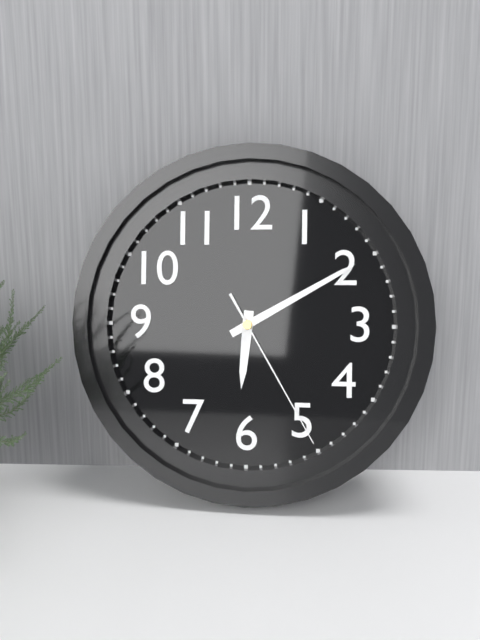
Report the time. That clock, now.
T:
6:10:25
